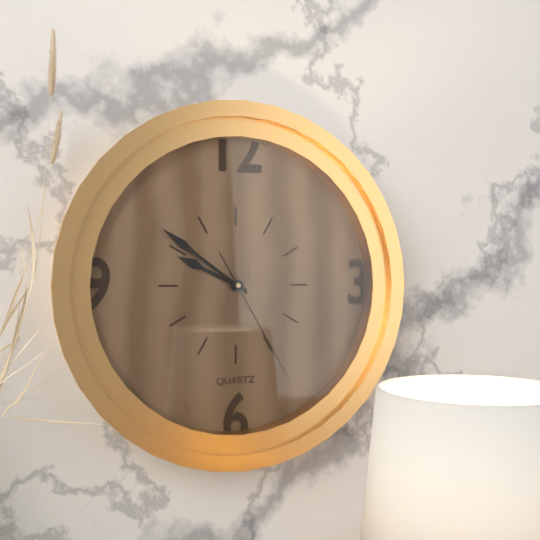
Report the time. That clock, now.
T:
9:51:25
